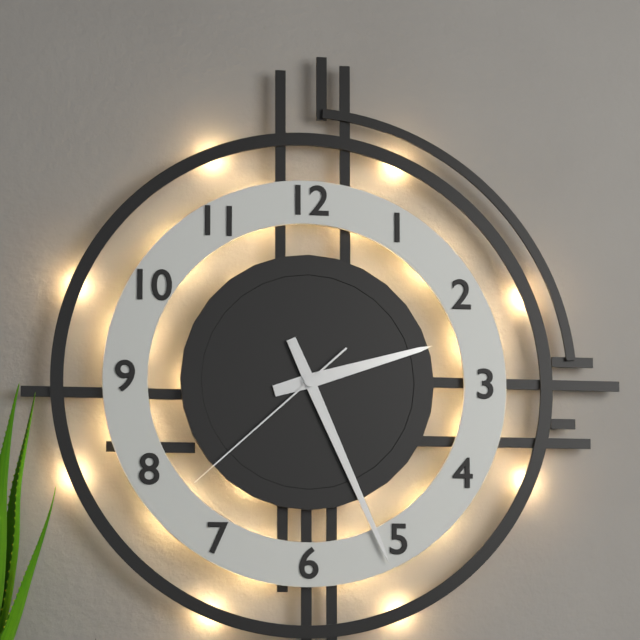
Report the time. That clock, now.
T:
2:26:38
